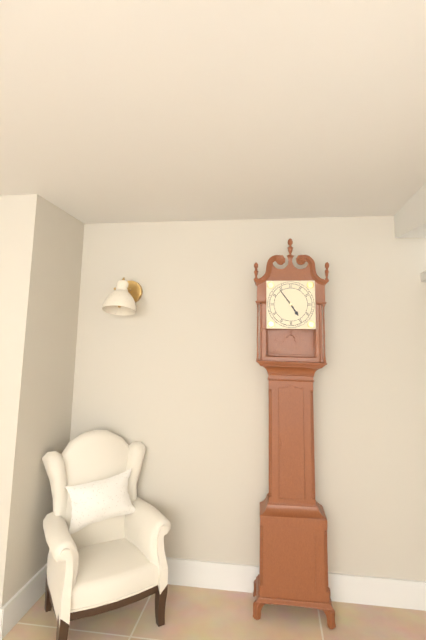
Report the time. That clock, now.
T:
4:54
